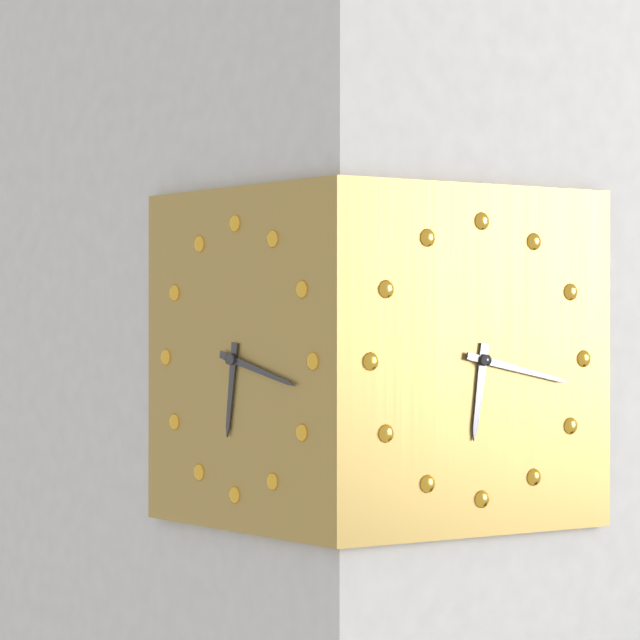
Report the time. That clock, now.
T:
6:17
